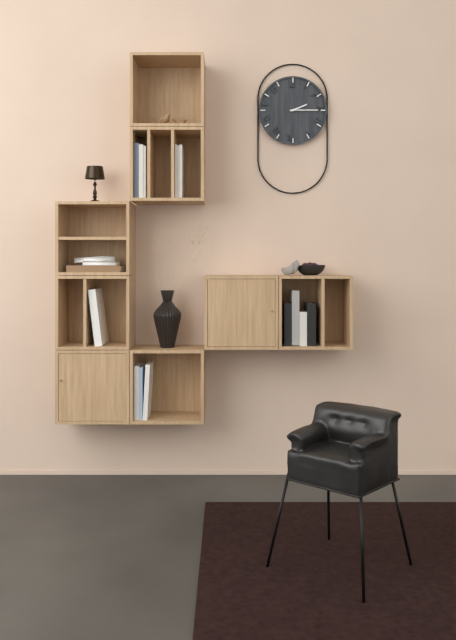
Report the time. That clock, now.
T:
2:15
